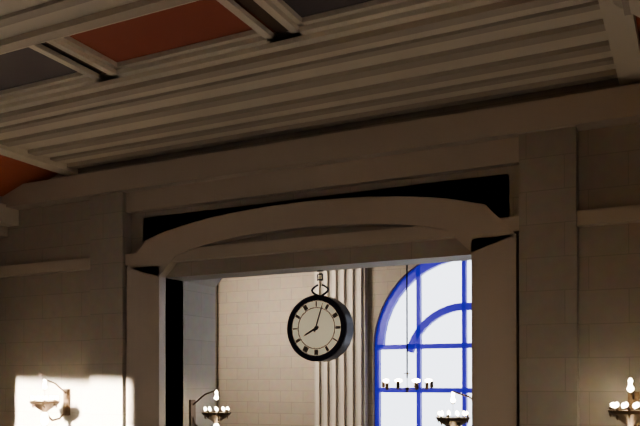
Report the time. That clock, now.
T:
8:03
